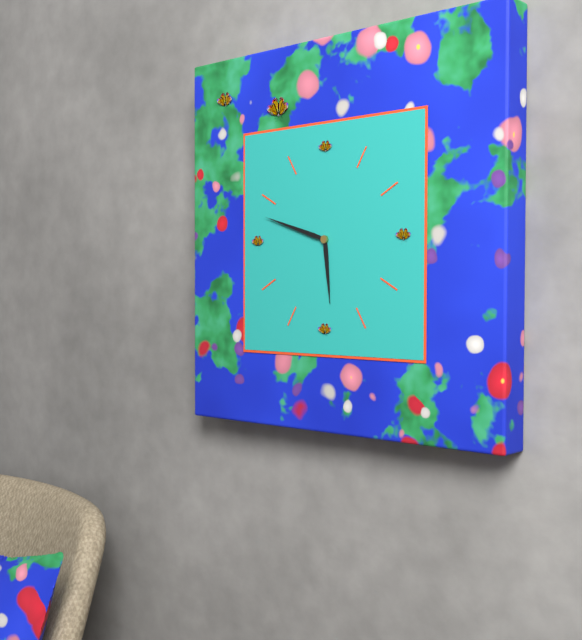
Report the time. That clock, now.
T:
5:48
